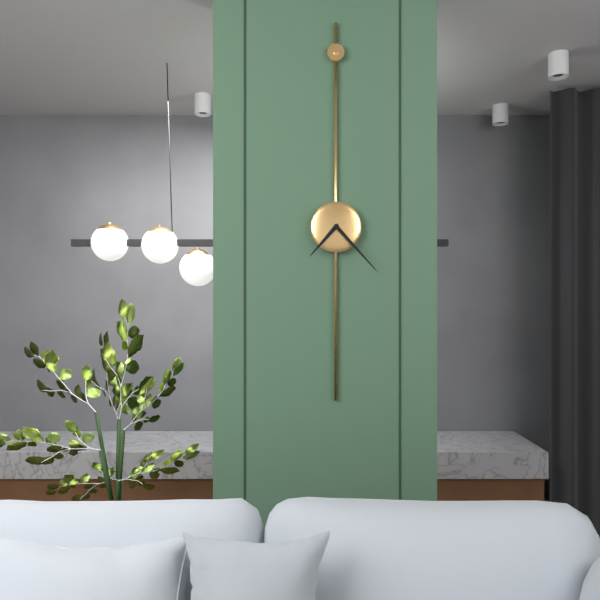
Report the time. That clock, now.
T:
7:23
